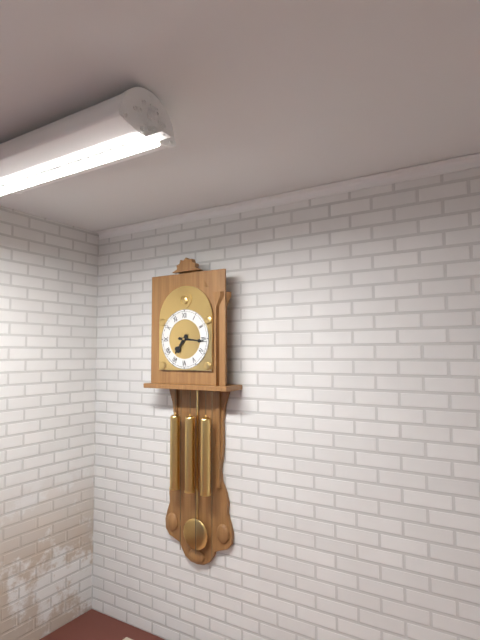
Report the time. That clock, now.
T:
7:16
